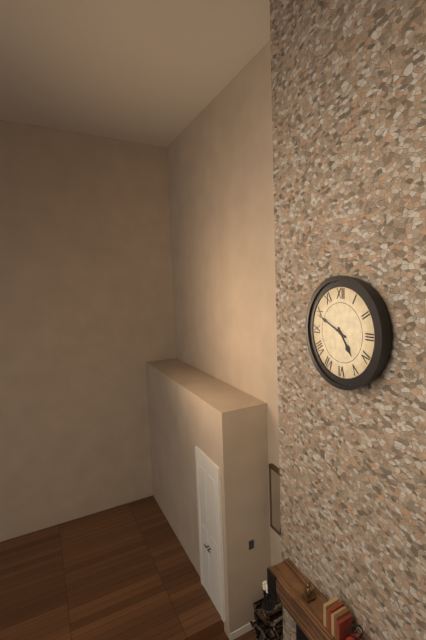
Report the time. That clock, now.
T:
4:49
